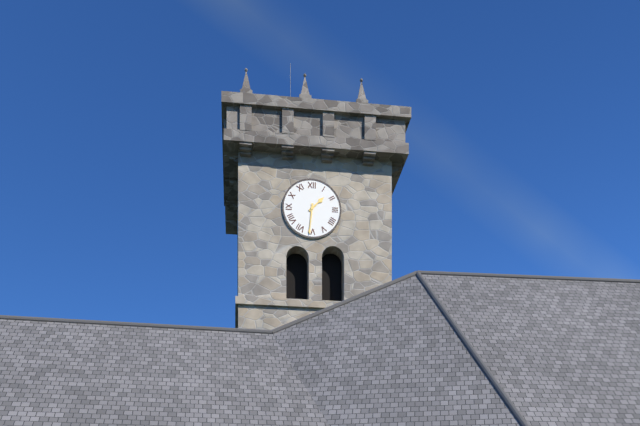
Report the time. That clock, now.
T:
1:31
